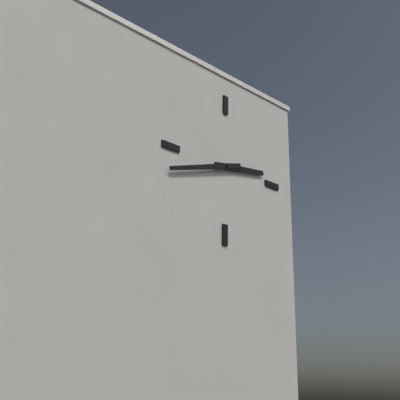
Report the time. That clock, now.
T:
2:42
